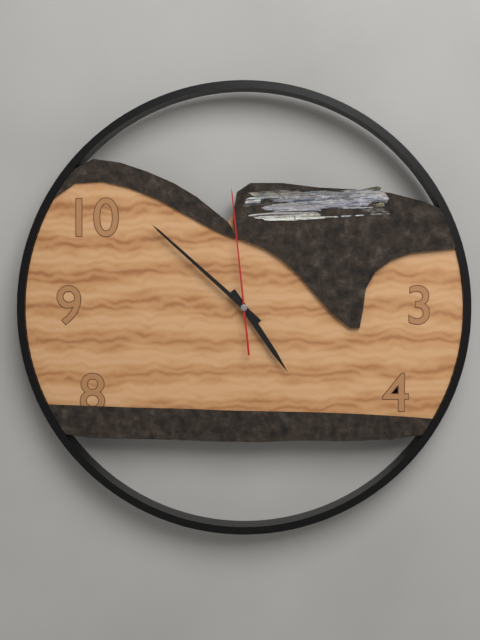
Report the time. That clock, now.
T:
4:52:59
